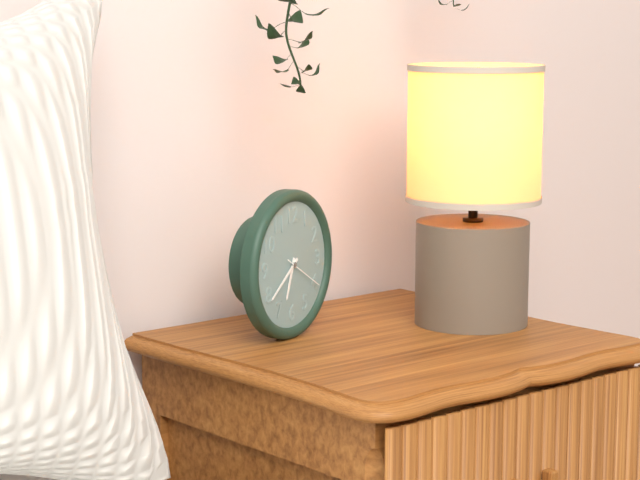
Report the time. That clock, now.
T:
6:39
